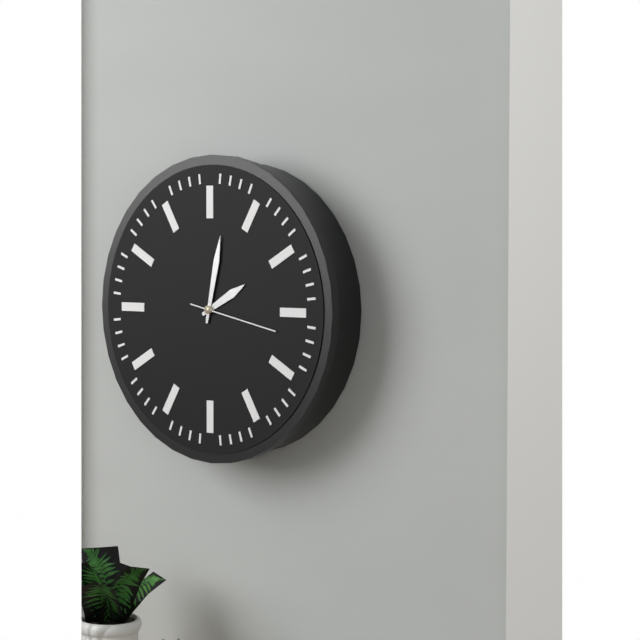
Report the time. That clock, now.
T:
2:02
